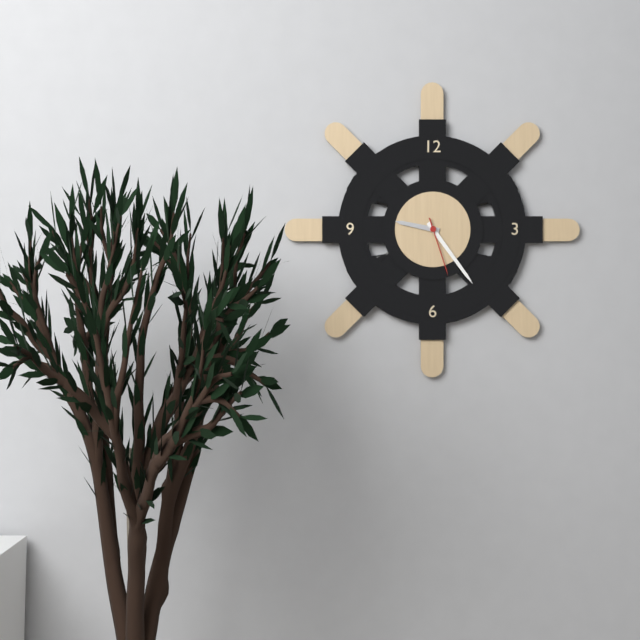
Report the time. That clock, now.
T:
9:24:27
